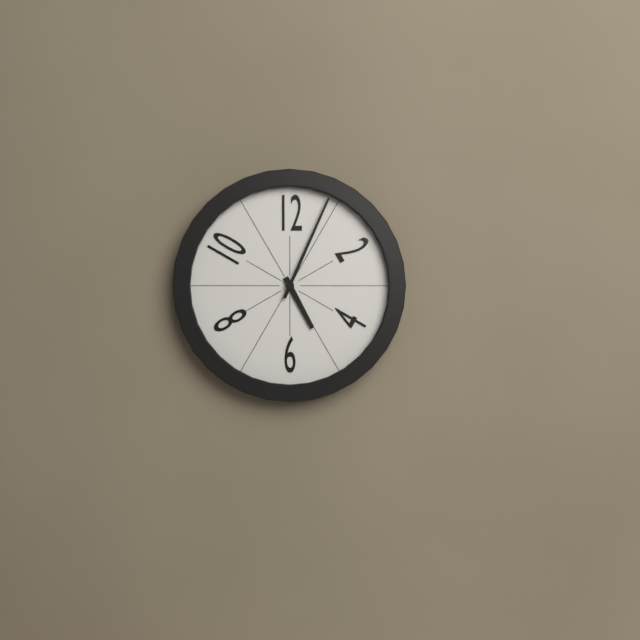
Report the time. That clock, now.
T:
5:04
